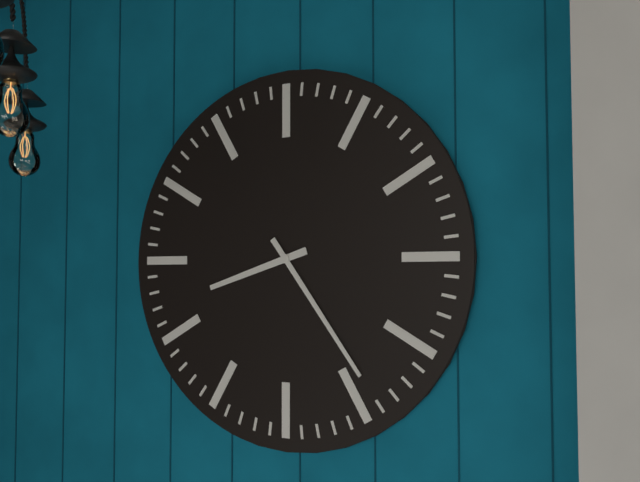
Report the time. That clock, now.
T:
8:24
